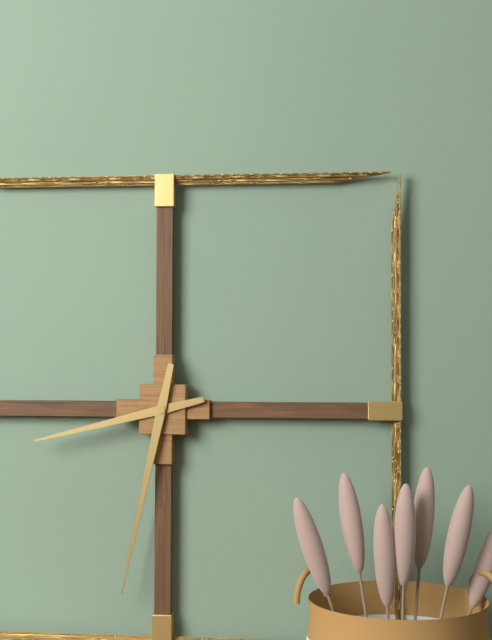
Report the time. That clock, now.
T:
8:32
